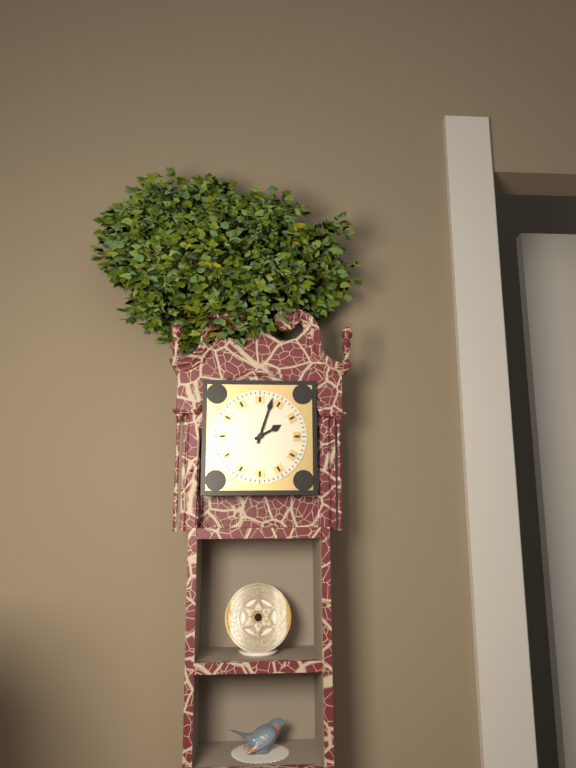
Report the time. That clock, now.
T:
2:03
